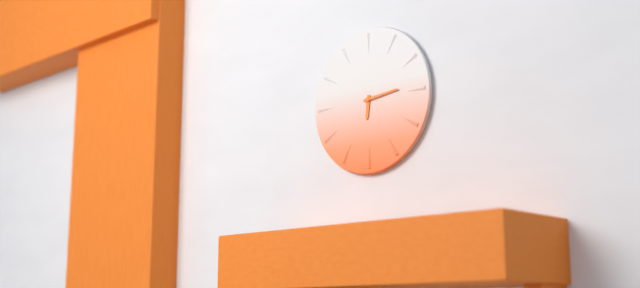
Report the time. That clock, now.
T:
6:14
